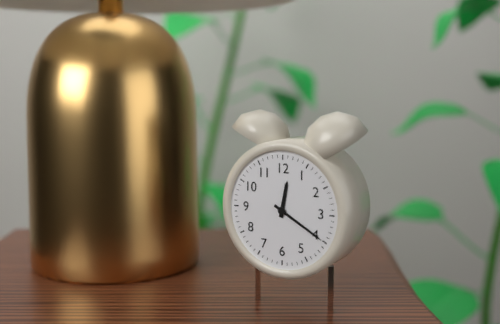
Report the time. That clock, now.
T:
12:20
